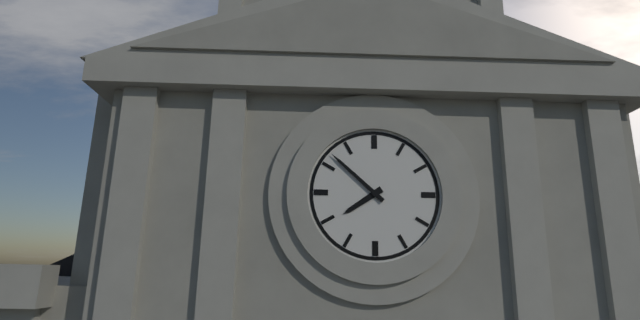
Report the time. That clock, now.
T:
7:52
